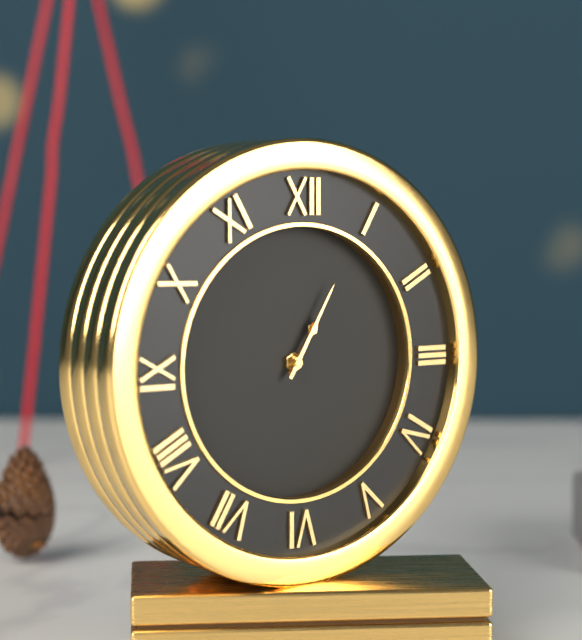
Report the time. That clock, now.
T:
1:05
